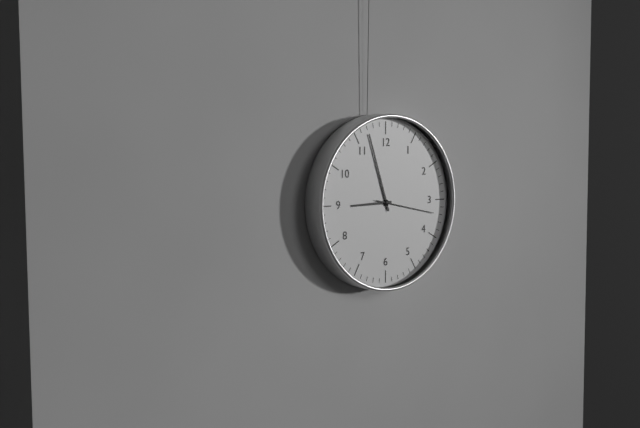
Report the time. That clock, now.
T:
8:57:17
